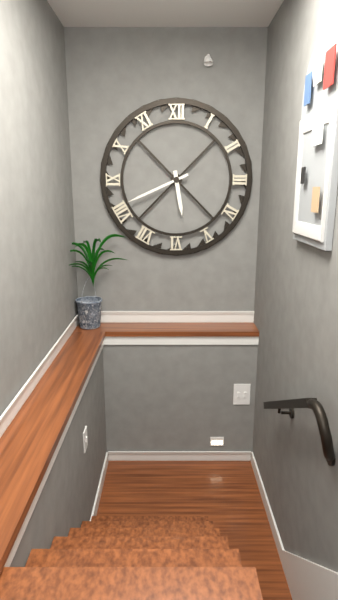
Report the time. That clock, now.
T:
5:41
